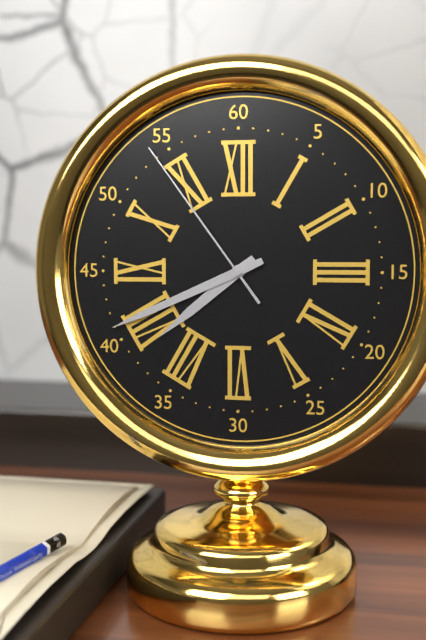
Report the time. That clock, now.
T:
7:41:54
